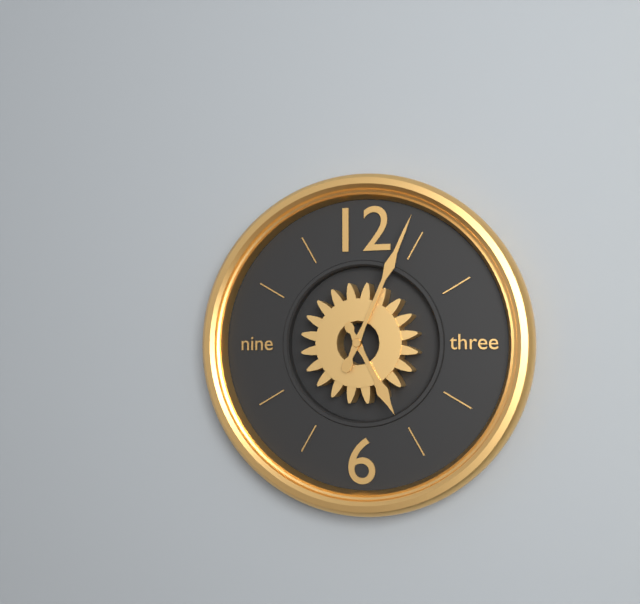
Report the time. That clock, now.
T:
5:04
